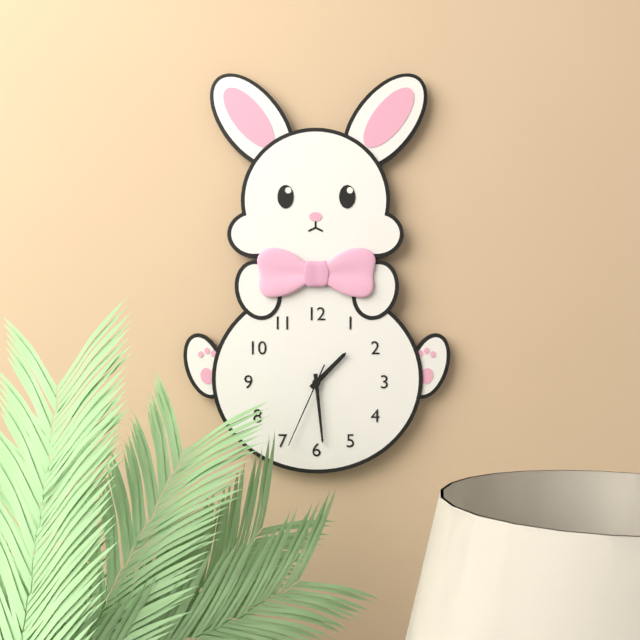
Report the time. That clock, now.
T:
1:29:34
